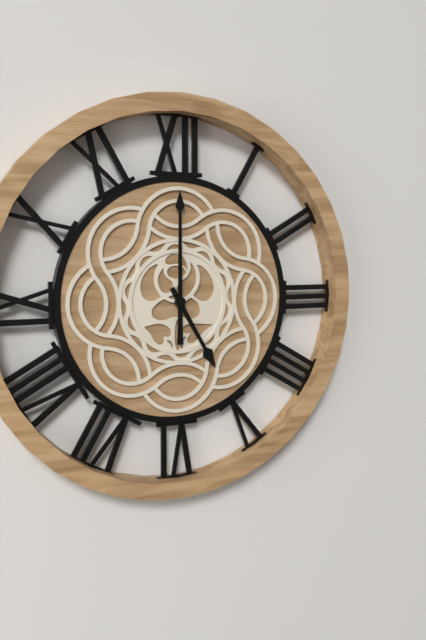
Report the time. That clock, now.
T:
5:00
